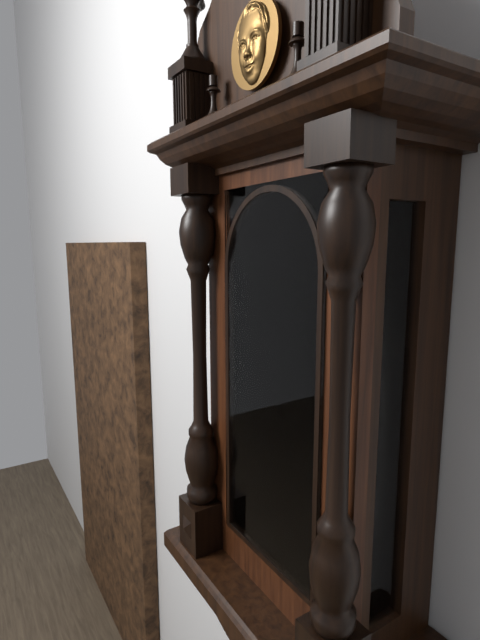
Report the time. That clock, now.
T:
6:57
